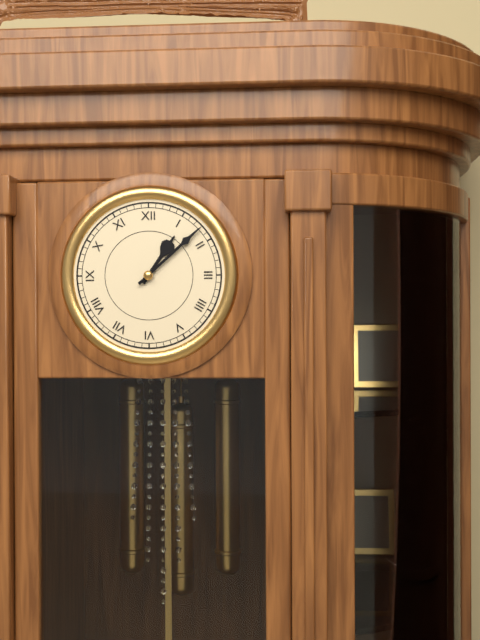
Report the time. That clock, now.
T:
1:08
